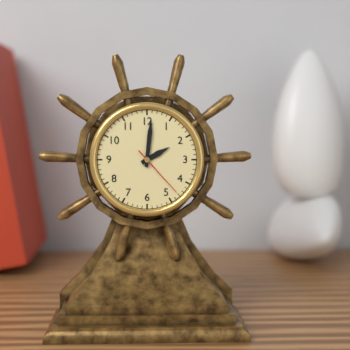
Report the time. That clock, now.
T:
2:01:23
